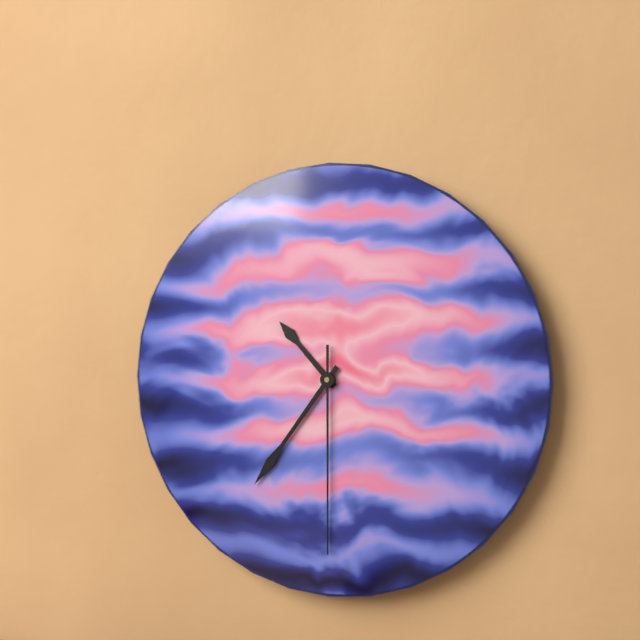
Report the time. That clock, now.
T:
10:36:30
